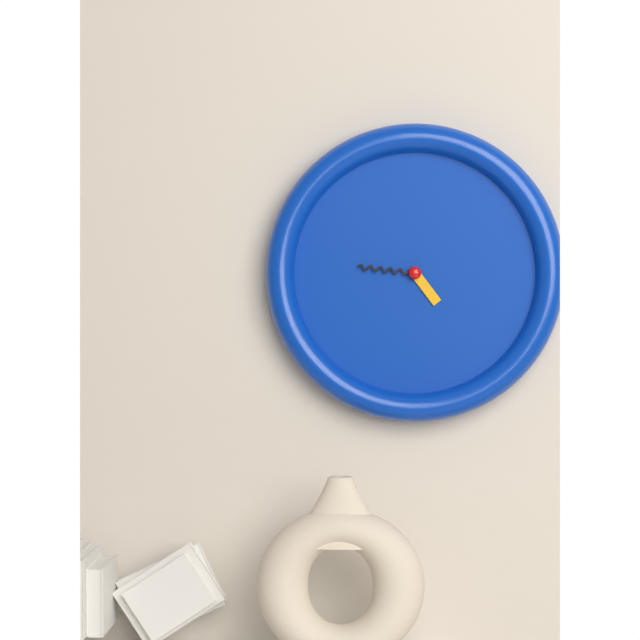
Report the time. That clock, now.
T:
4:46
